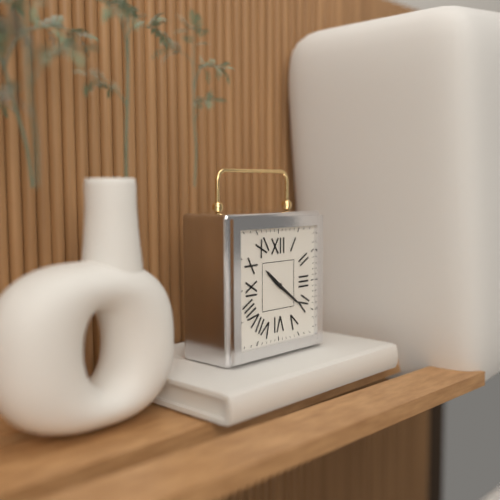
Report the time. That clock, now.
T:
10:21
